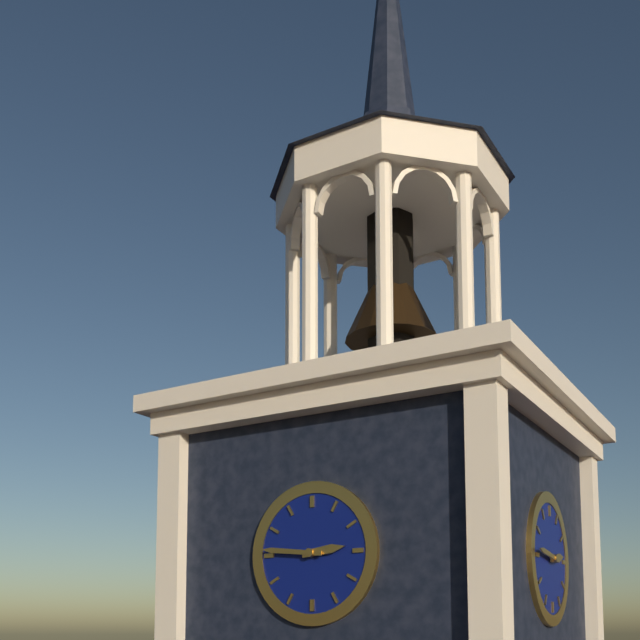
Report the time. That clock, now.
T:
2:46
